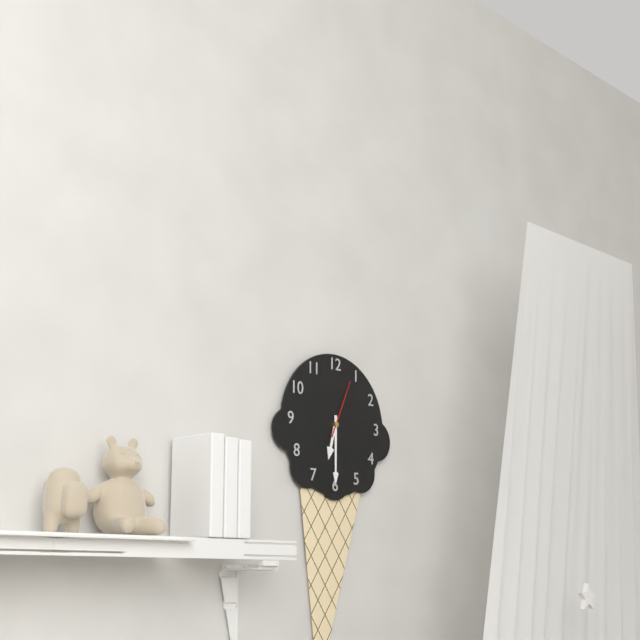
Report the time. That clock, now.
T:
6:30:04
